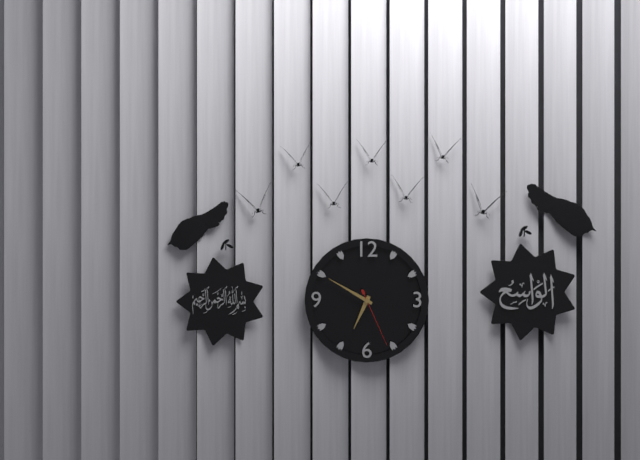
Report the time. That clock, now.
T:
6:50:26
